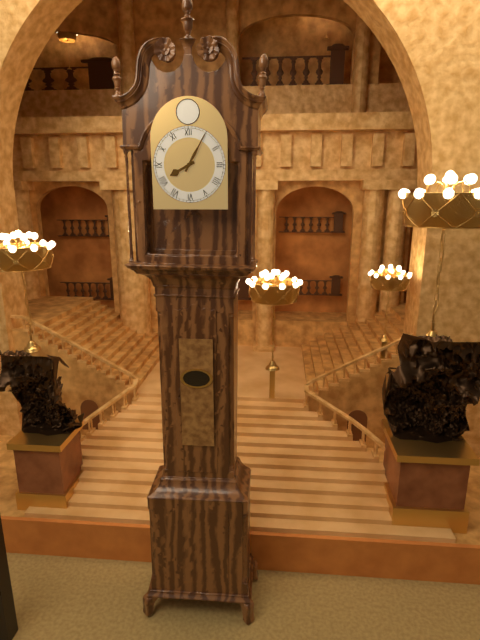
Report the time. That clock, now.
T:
8:05
